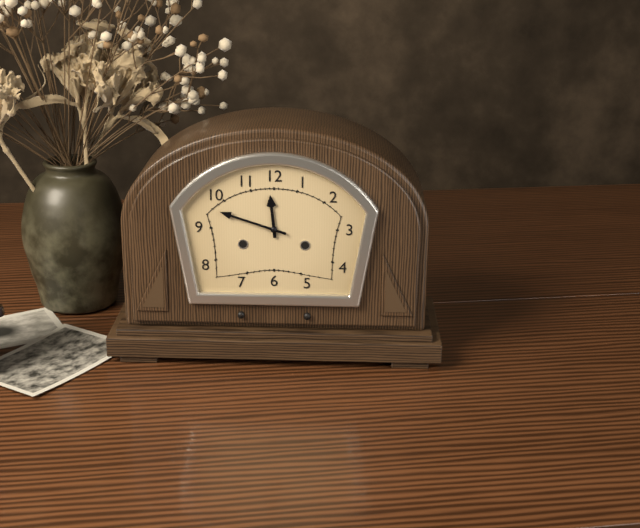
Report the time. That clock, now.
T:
11:48
